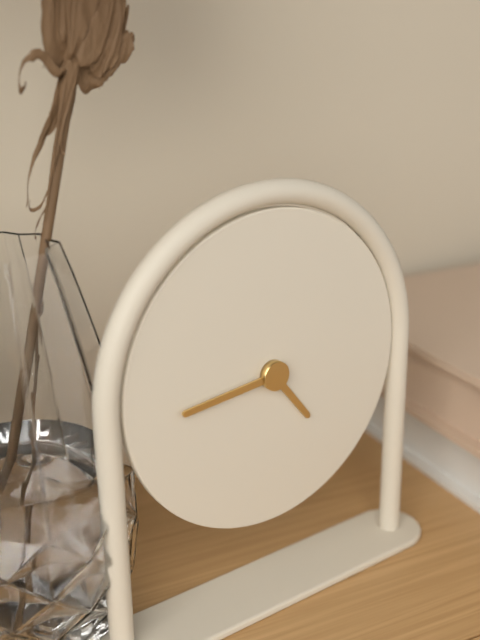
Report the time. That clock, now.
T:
4:44
